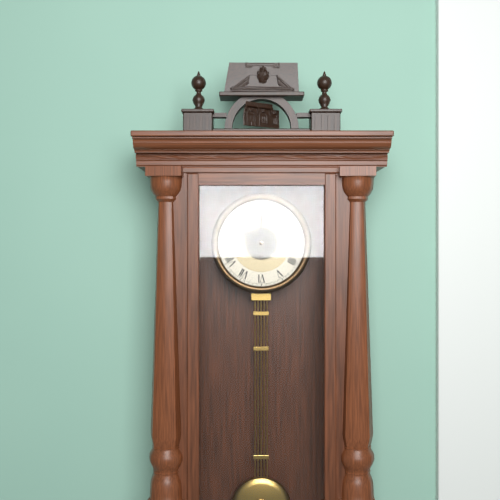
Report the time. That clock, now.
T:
10:00
